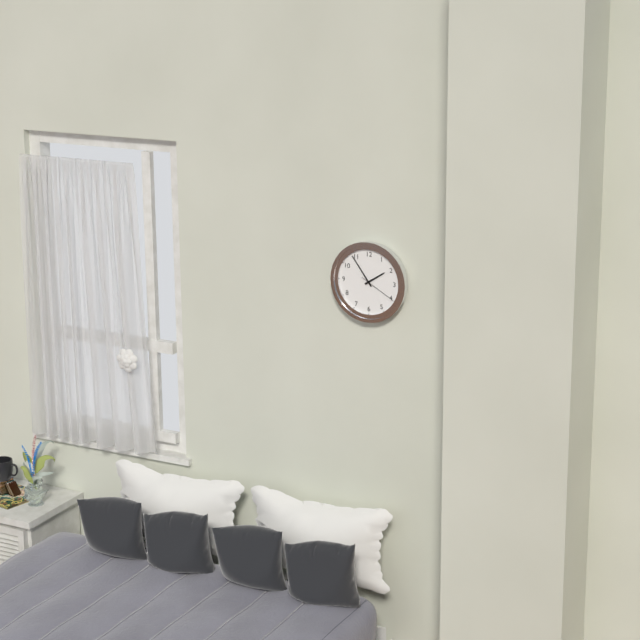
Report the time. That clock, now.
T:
1:54
